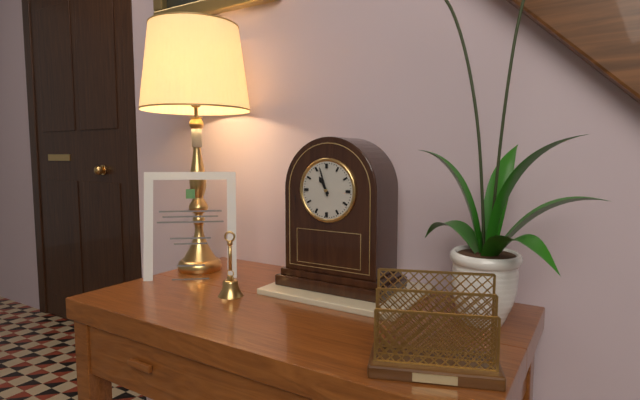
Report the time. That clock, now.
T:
10:57
